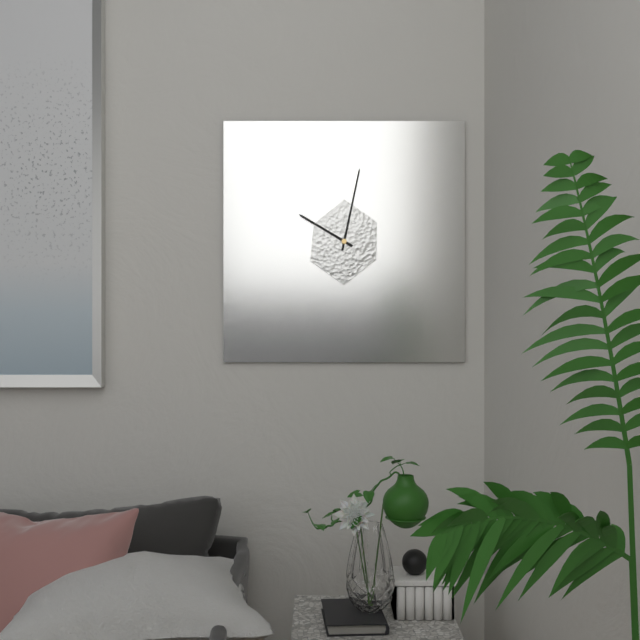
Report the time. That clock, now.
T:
10:02
